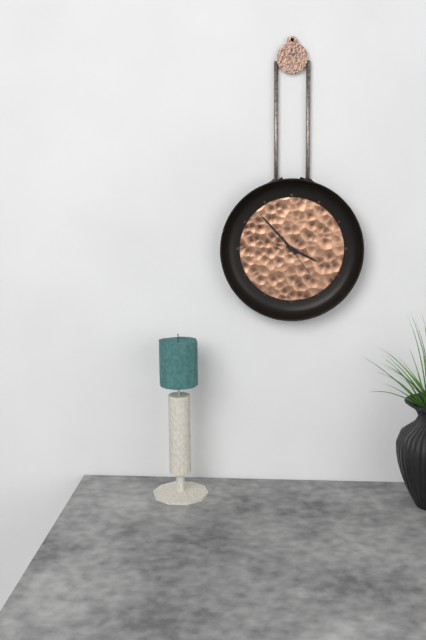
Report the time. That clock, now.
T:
3:53
